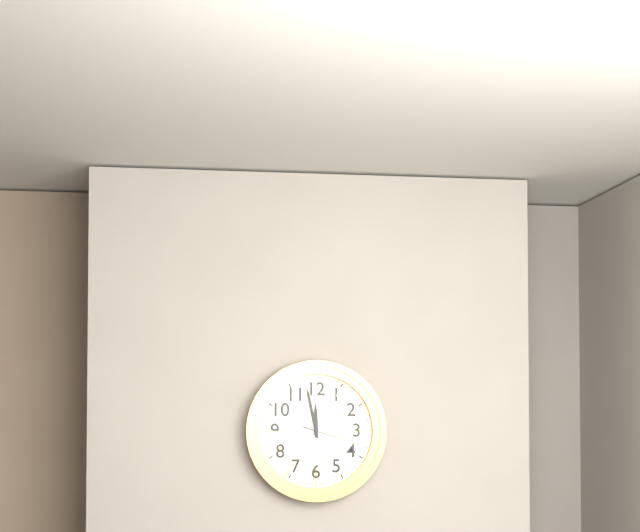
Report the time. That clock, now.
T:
11:58:18
